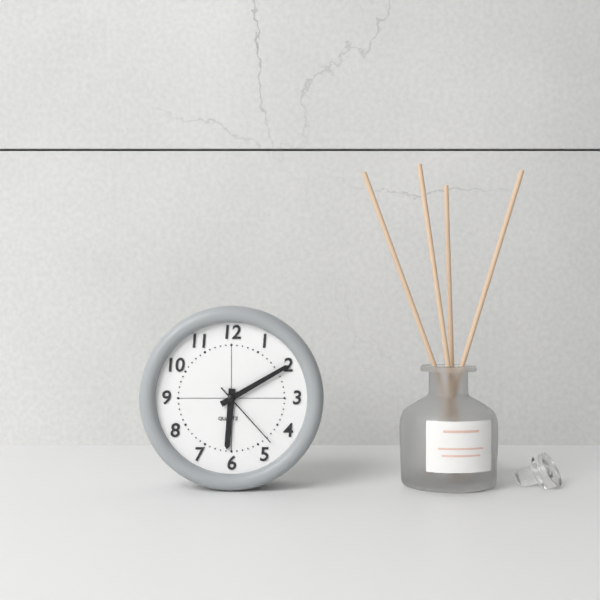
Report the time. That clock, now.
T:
6:10:23
